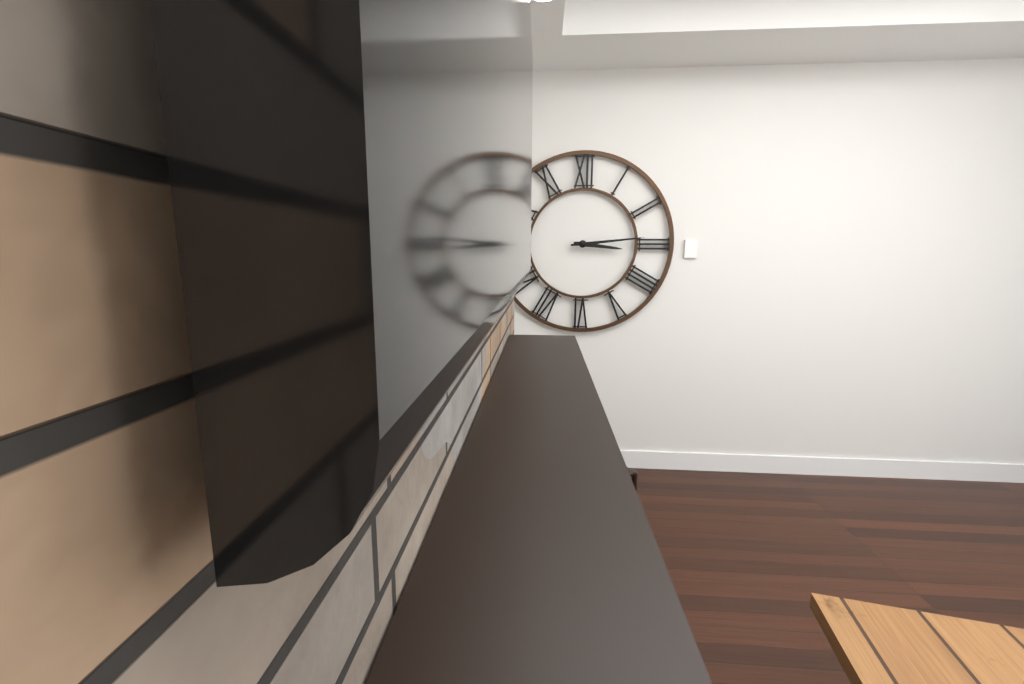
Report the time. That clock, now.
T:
3:14
